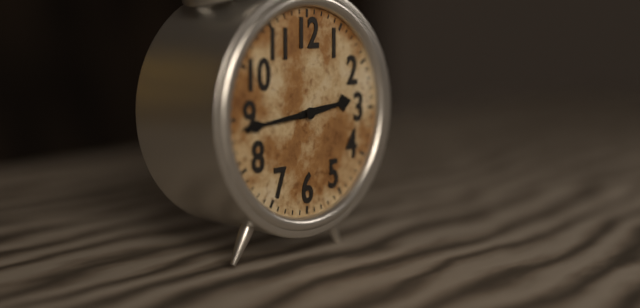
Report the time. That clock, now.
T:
2:44
